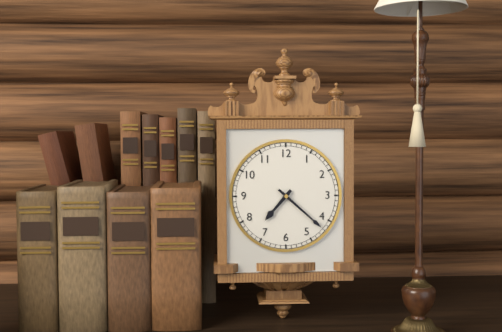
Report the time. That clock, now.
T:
7:22
